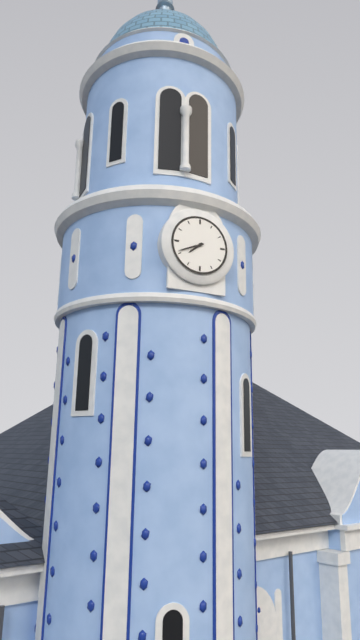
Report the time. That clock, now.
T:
7:41
